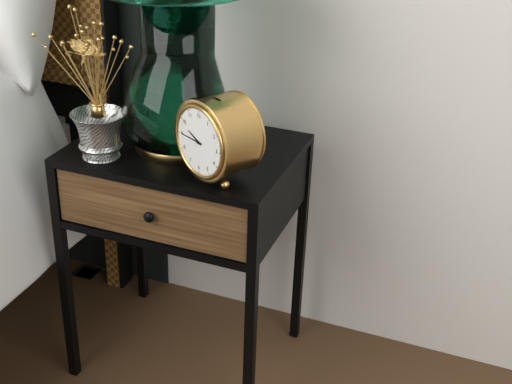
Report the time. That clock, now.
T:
9:45
